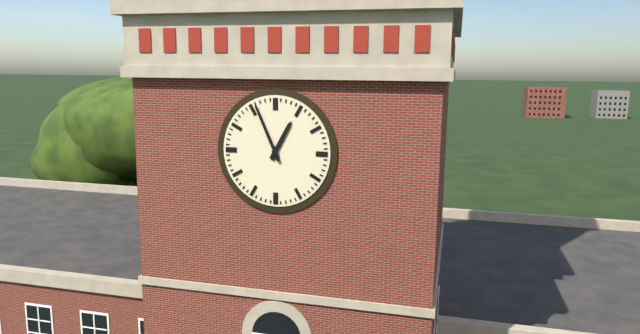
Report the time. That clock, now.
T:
12:56
